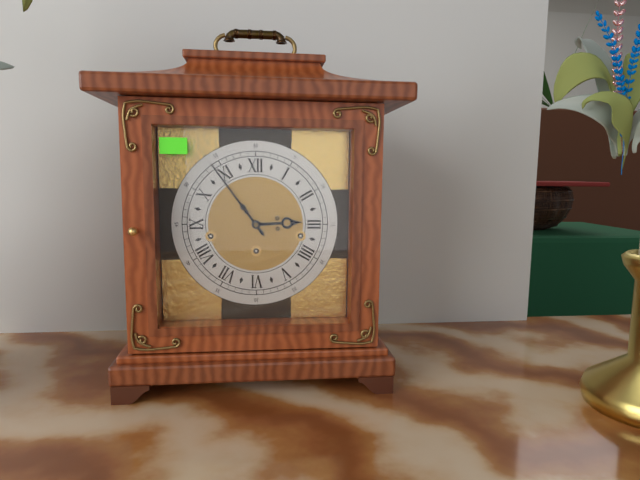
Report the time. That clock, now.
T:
2:54
